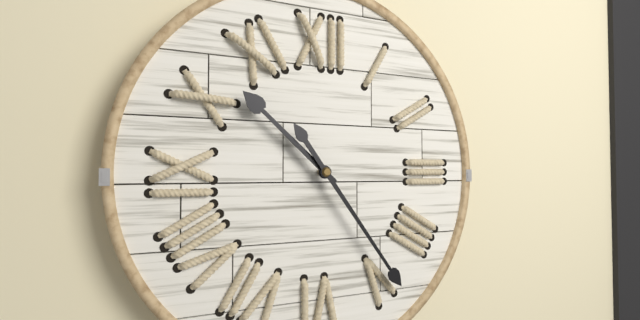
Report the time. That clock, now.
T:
10:24
